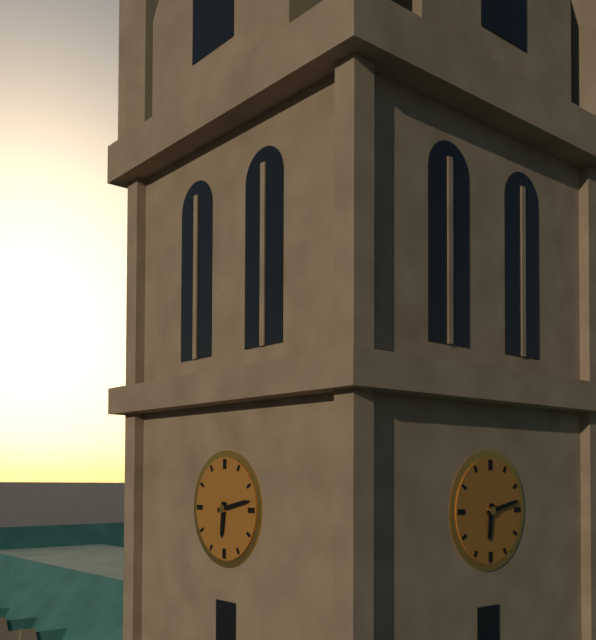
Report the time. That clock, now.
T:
6:13
